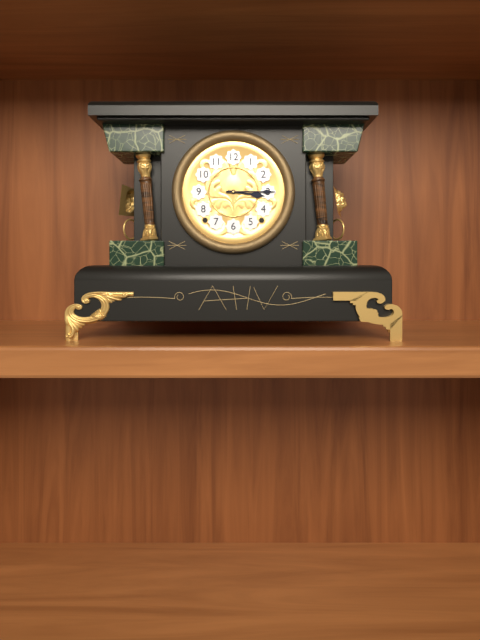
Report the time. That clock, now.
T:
3:15
